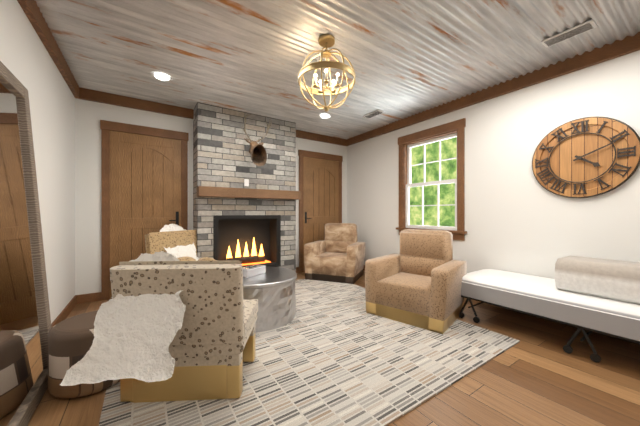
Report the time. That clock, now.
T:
4:11
